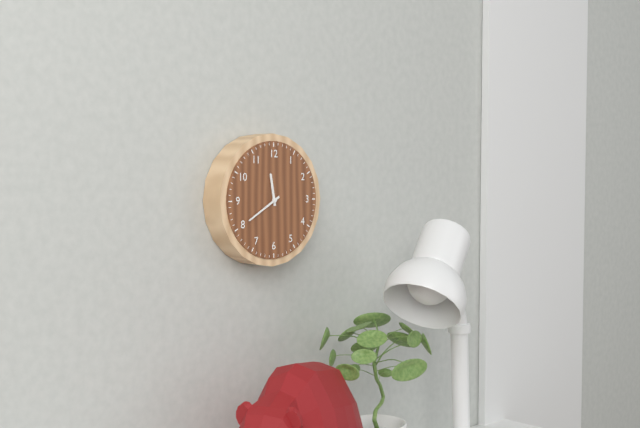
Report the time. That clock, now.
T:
11:40
